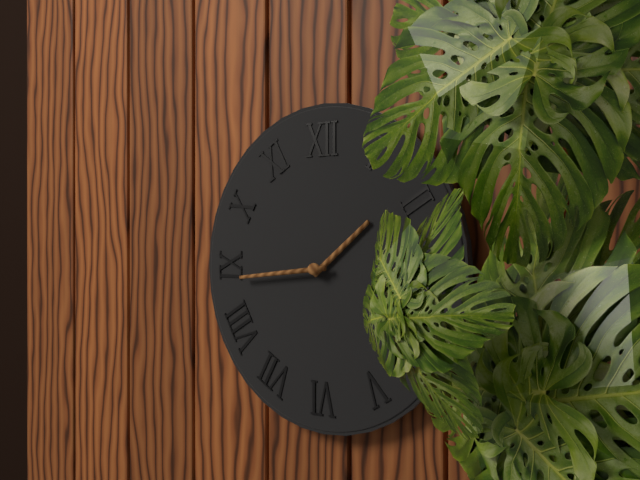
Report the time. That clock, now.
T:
1:44
